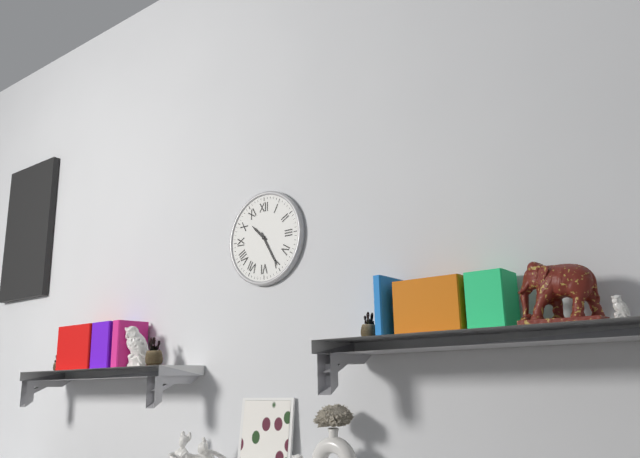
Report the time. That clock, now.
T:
10:25
